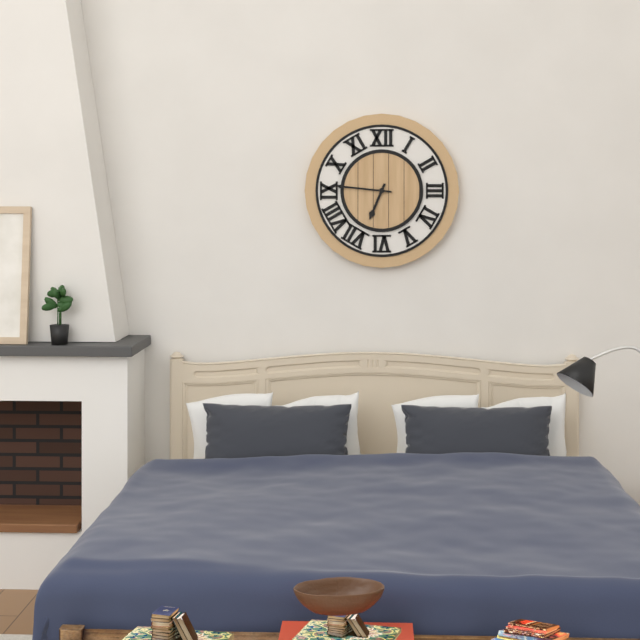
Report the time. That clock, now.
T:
6:46
